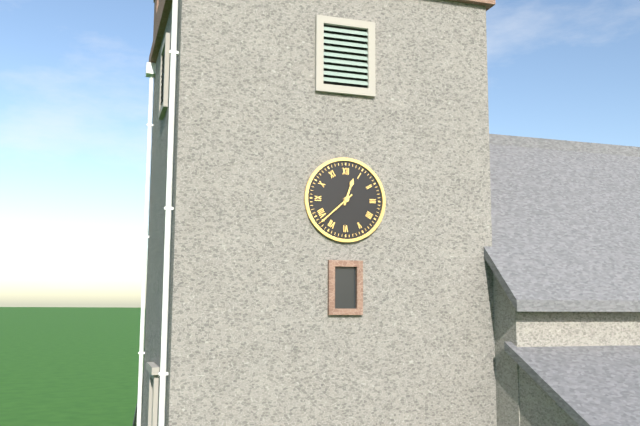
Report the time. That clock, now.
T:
12:38
